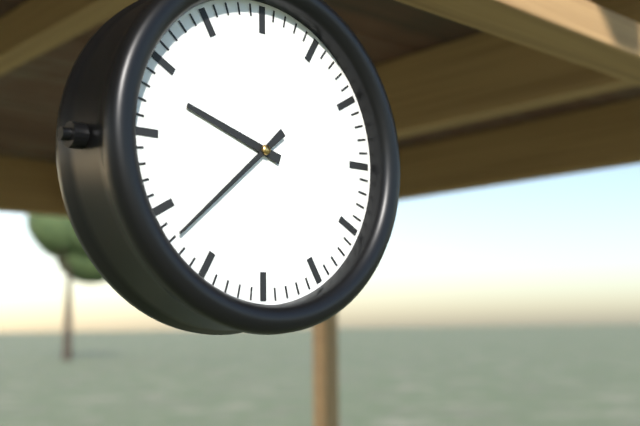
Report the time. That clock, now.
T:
9:38
